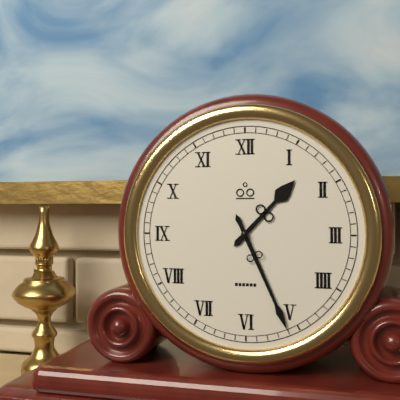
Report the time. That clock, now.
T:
1:26
